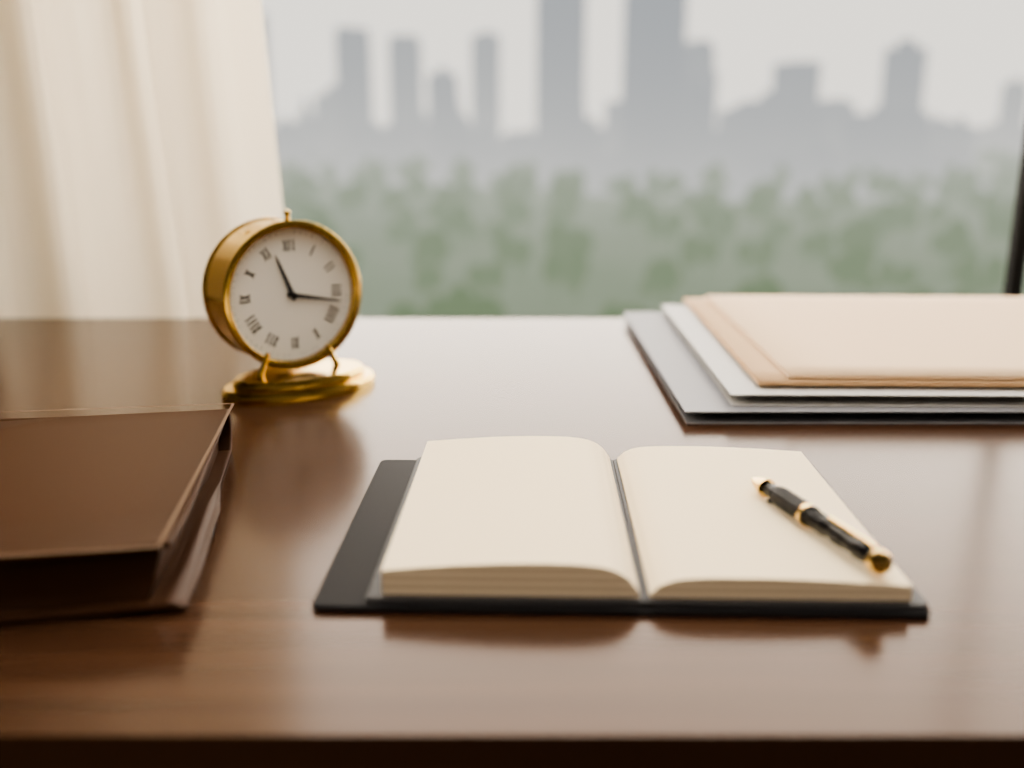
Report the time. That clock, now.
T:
11:17
